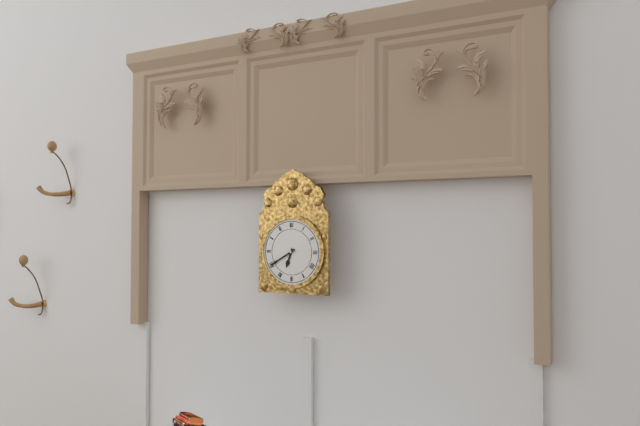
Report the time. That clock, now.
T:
6:40
